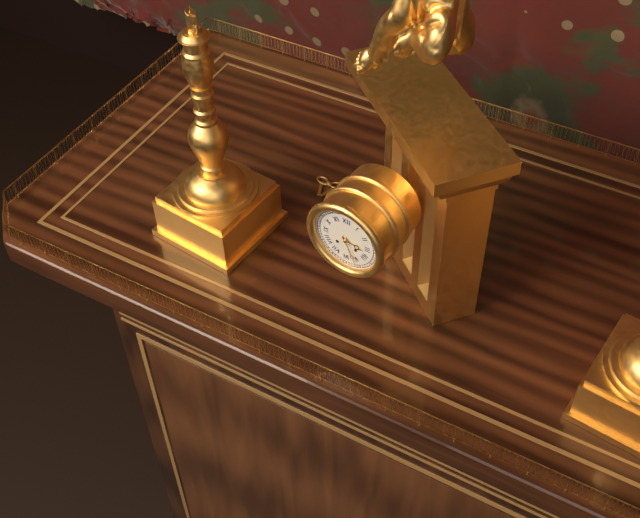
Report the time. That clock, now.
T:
3:26
